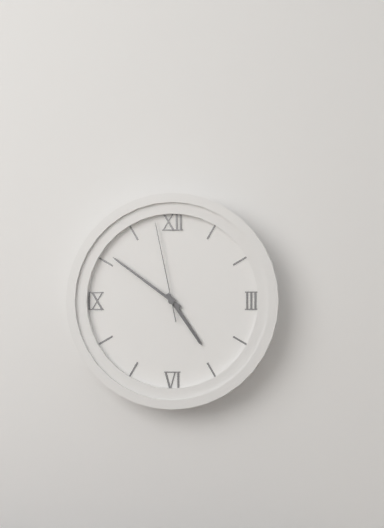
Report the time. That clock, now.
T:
4:51:58
